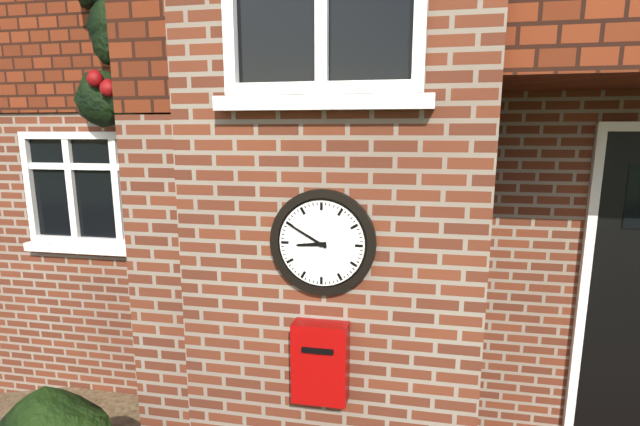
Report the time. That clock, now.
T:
8:50
